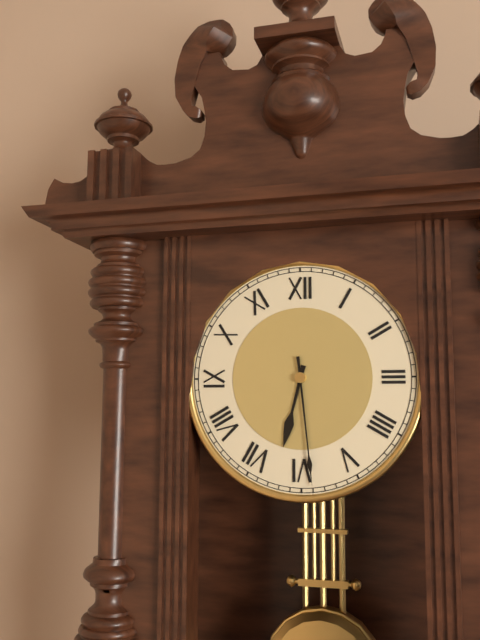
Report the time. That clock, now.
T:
6:29
